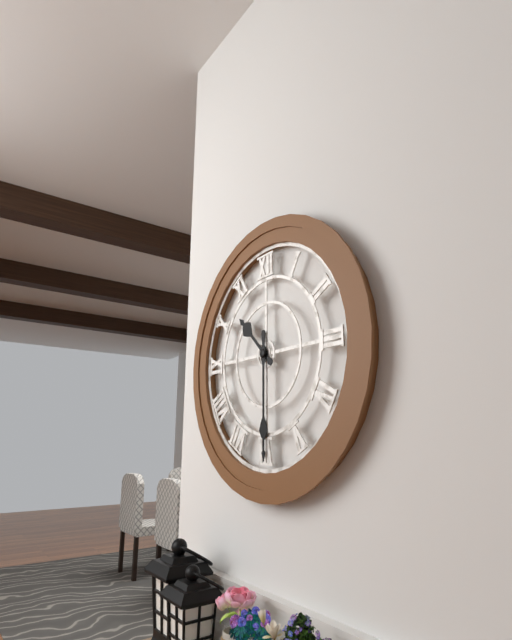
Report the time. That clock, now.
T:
10:30
